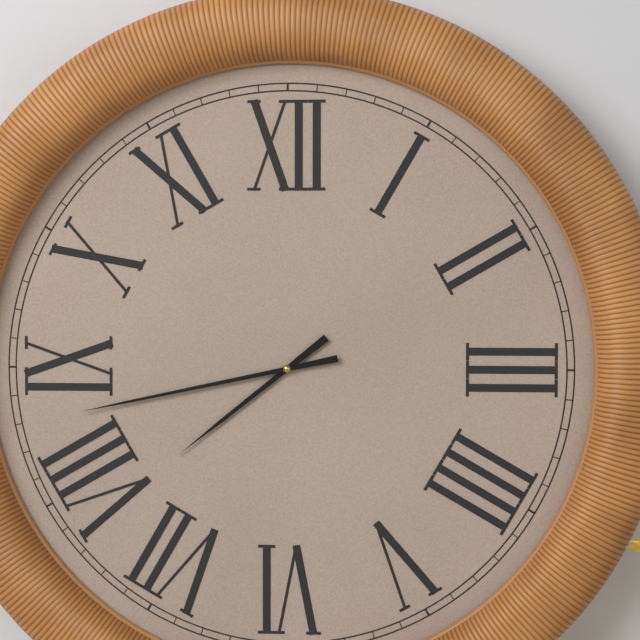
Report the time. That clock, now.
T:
7:43
